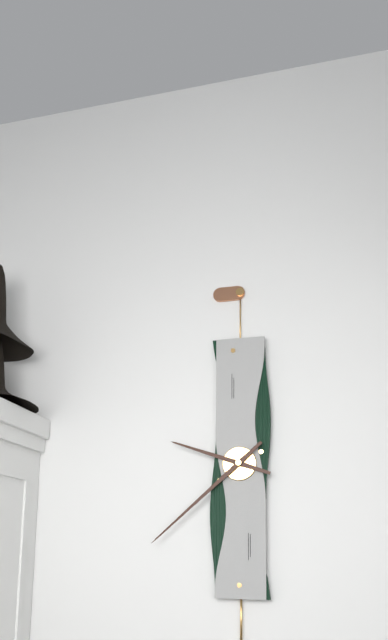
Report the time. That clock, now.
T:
9:38
